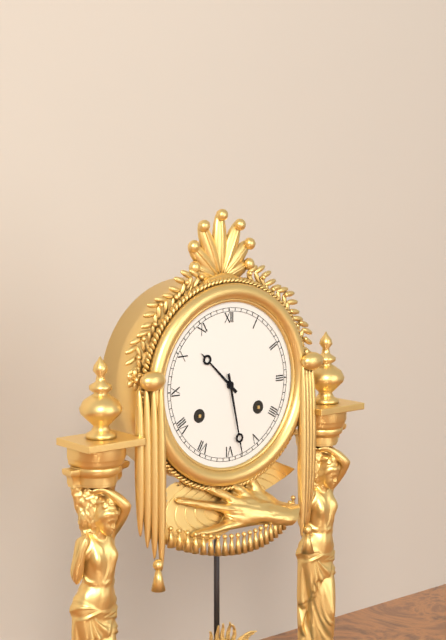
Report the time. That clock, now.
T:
10:28
